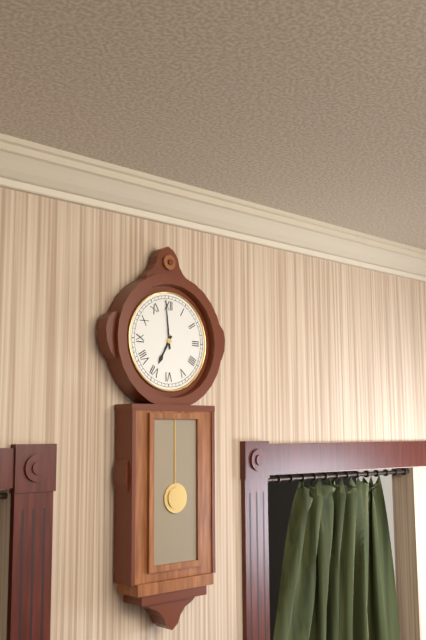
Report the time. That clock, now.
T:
6:59
